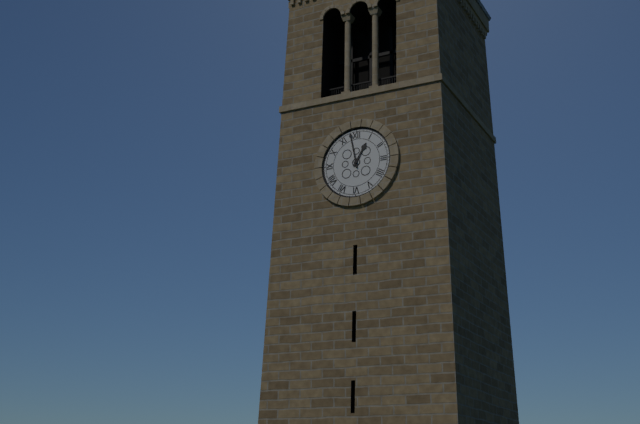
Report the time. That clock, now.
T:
12:58
